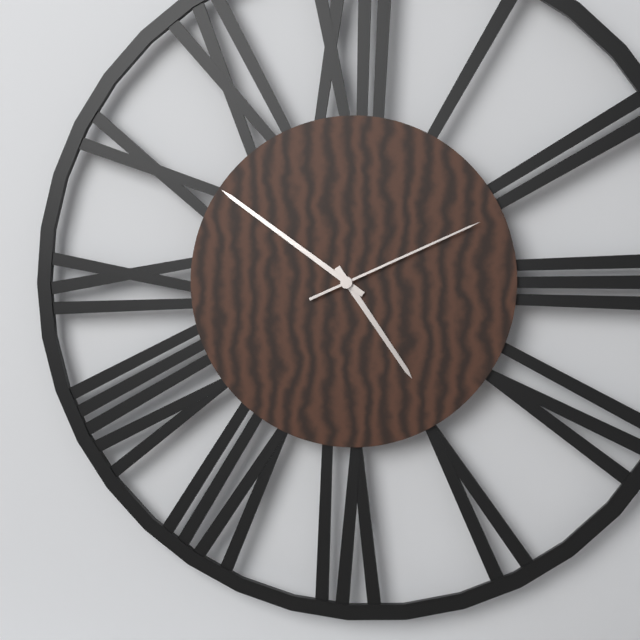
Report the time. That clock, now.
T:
4:51:11
